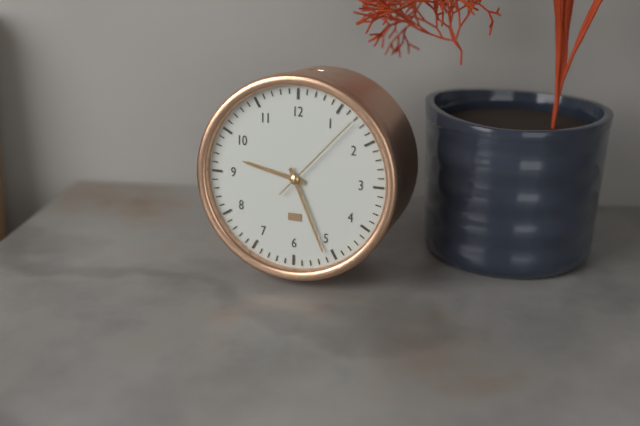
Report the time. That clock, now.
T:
9:26:07
